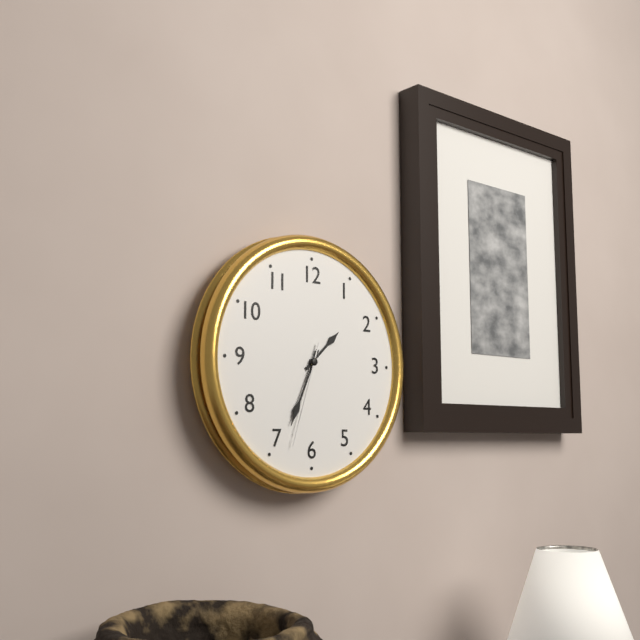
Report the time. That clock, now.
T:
1:34:33
